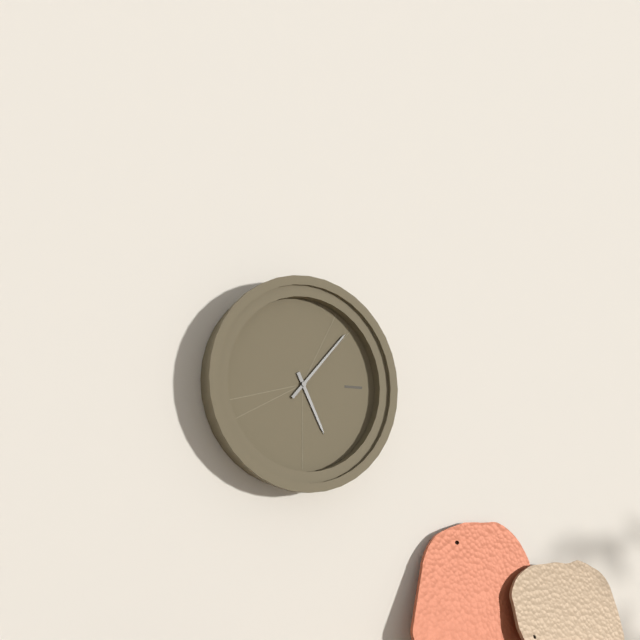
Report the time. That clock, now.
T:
5:07
